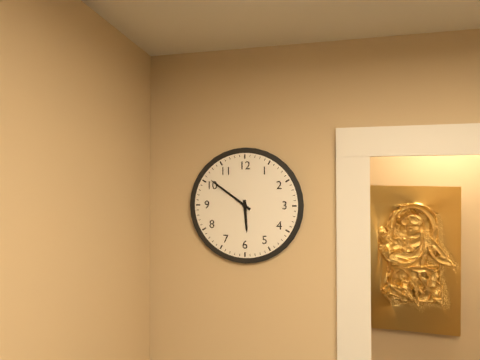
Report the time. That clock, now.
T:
5:51
